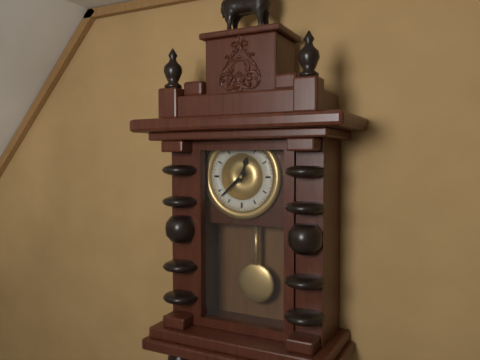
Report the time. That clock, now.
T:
12:38
